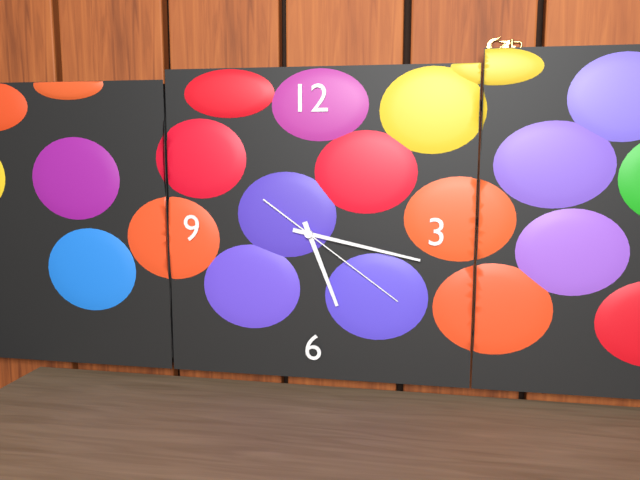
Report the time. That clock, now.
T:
5:17:21
